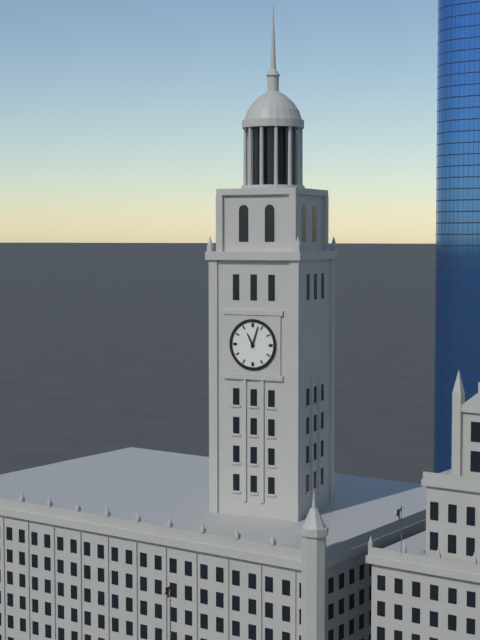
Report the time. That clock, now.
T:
11:03
